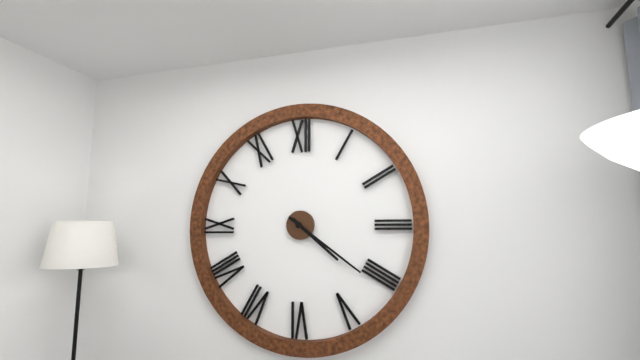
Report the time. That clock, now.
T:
4:21
